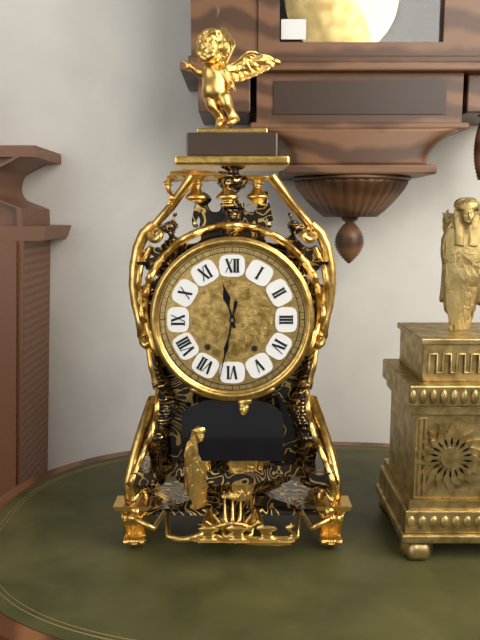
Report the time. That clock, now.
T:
11:32
